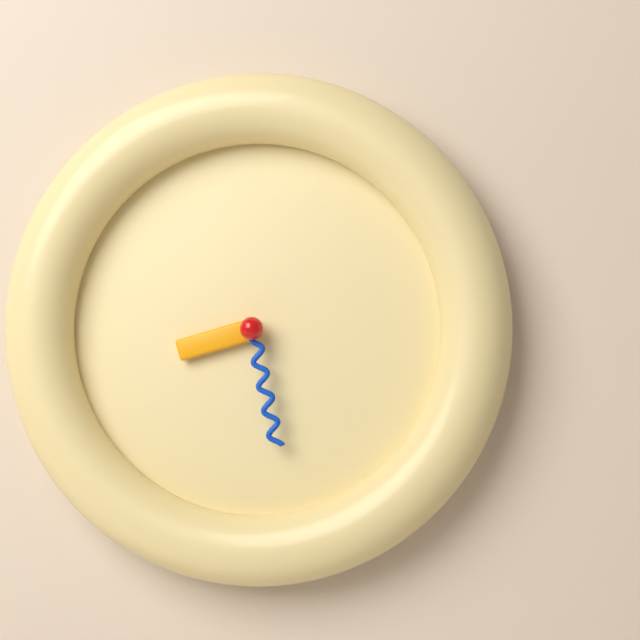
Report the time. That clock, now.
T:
8:28
